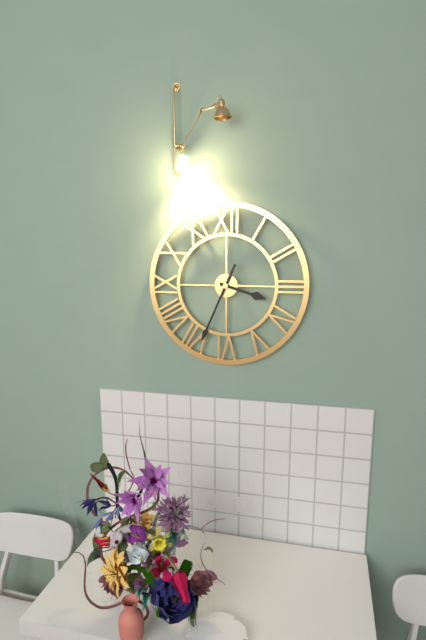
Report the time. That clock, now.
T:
3:34
